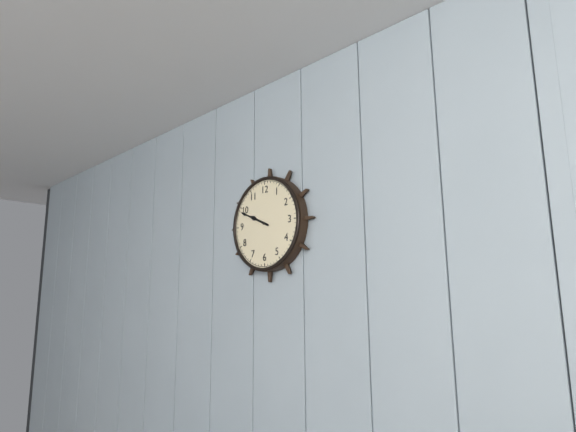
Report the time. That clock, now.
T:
9:49
